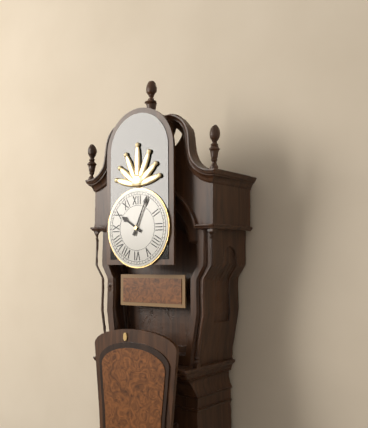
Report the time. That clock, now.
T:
10:04
